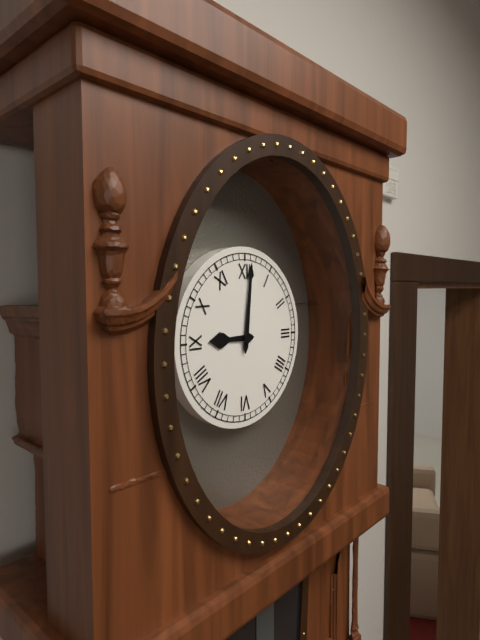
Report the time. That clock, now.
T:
9:01
